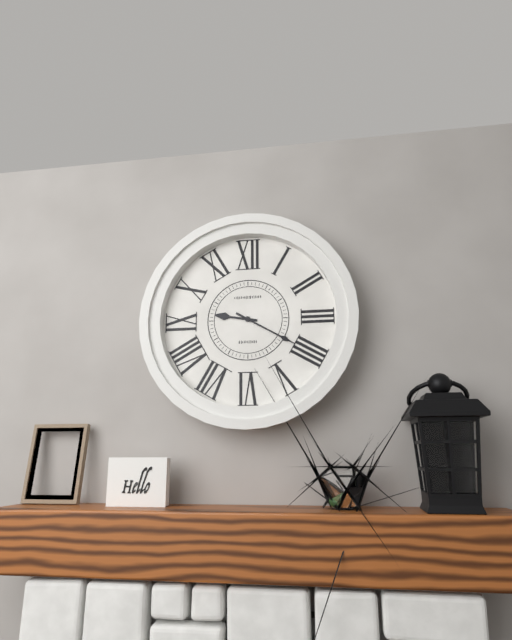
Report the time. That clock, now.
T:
9:20
